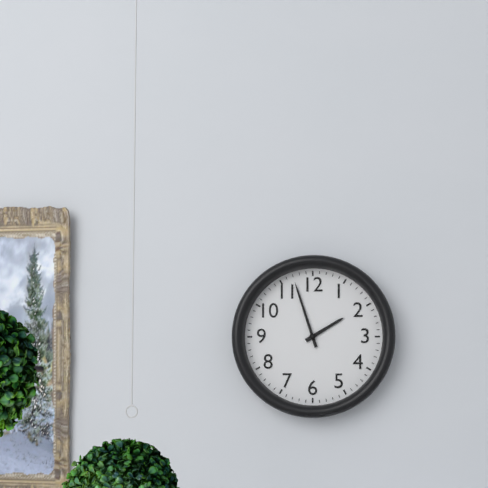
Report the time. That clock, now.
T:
1:57
